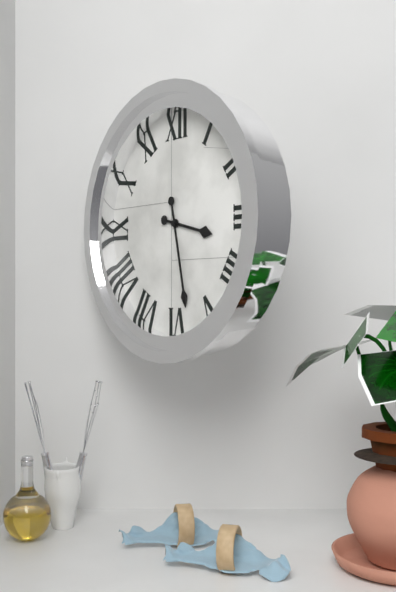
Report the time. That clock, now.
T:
3:28
